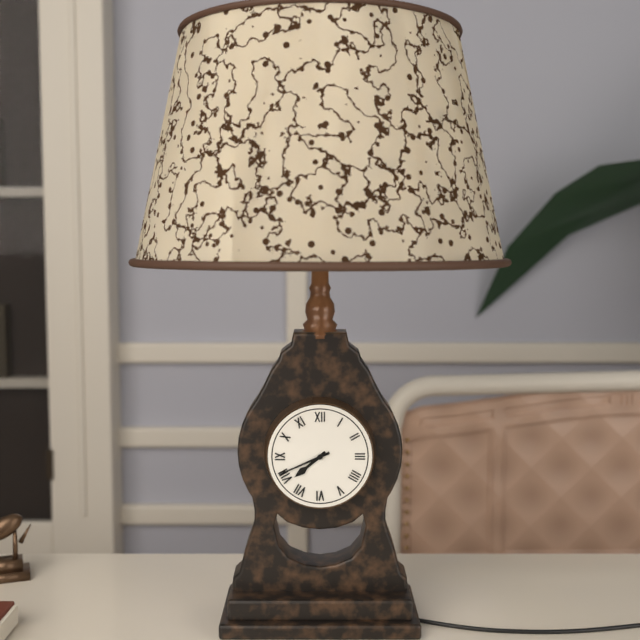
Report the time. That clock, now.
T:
7:41
